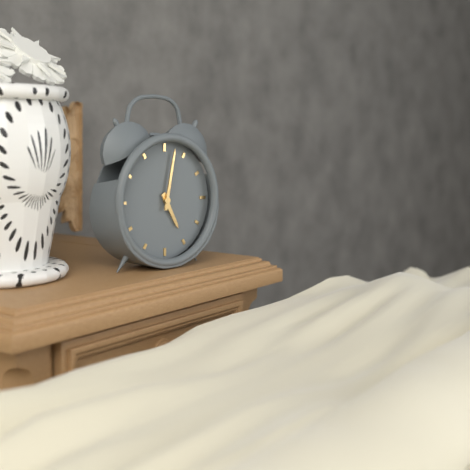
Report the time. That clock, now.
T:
5:02
